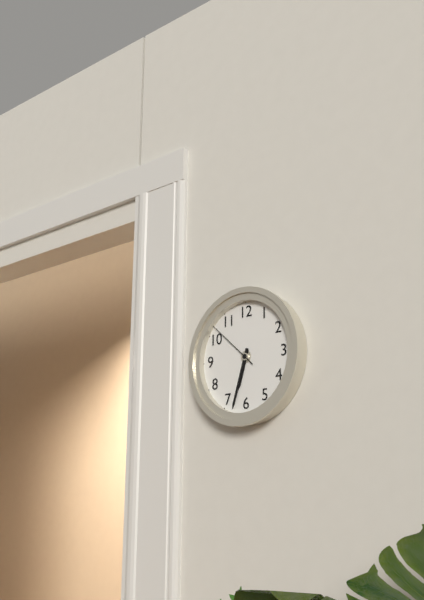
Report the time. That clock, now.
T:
6:33:52
